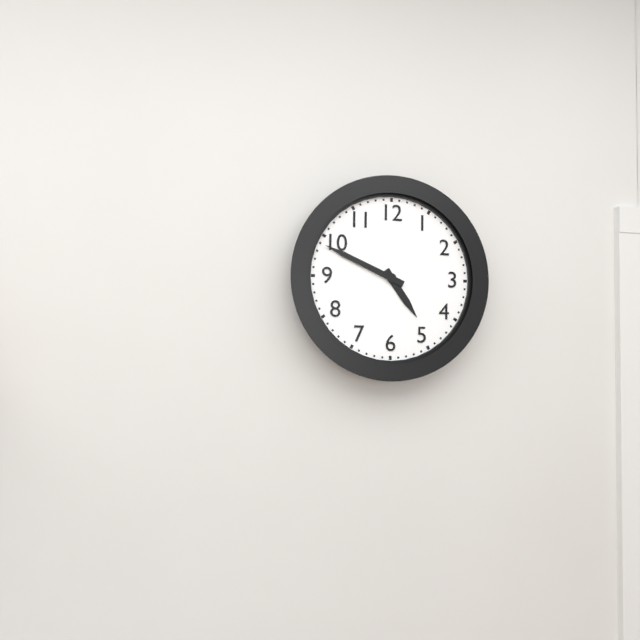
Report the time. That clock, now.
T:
4:49
